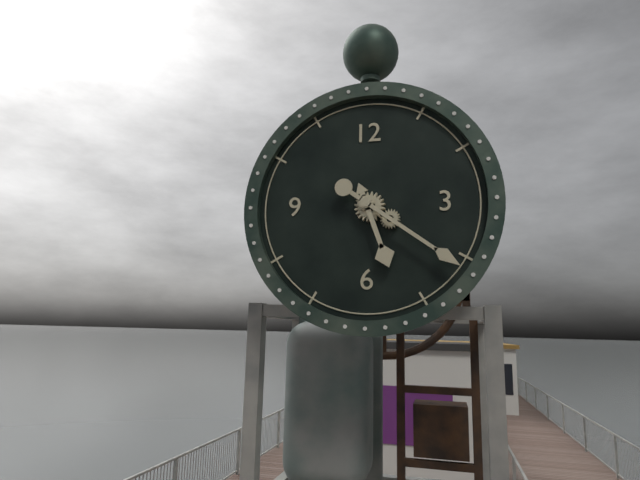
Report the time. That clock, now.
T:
5:21
